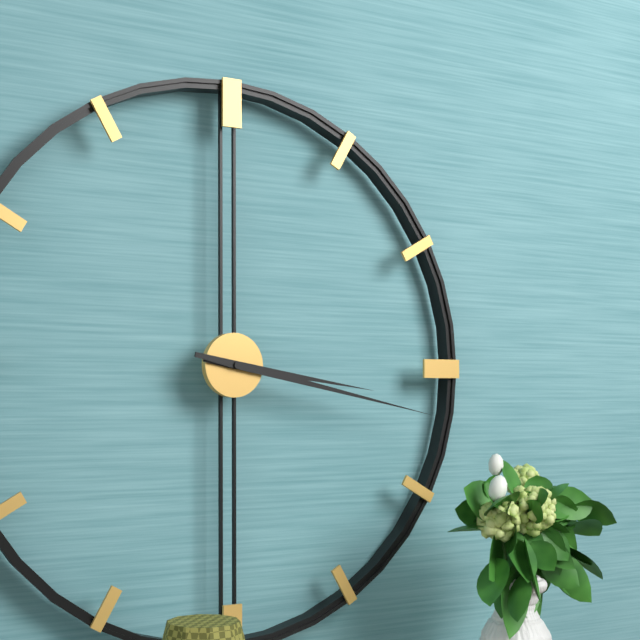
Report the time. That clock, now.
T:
3:17
